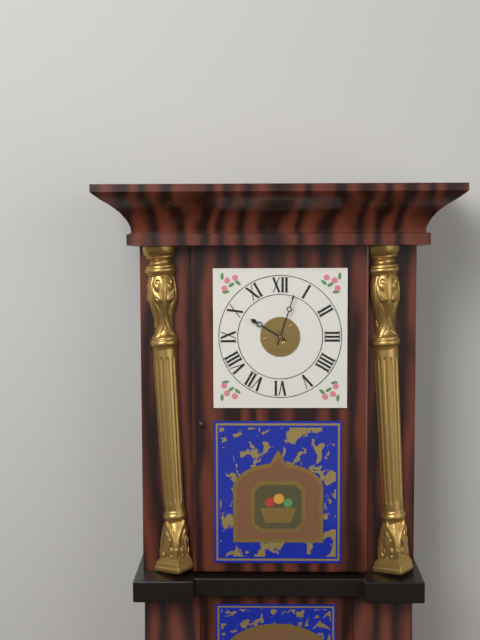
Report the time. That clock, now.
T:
10:03
